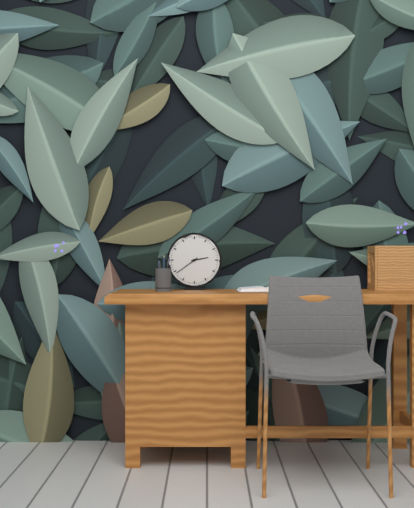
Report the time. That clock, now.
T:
2:39
